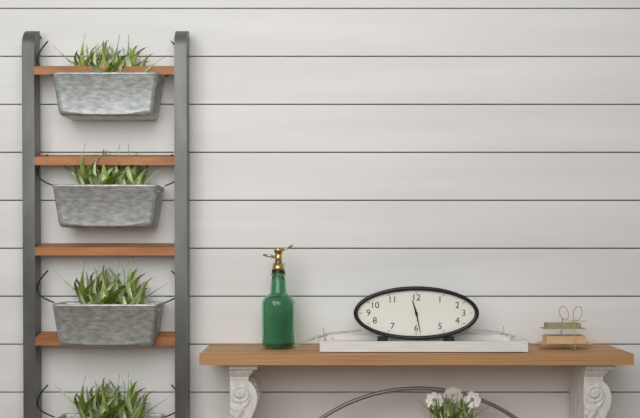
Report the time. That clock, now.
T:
11:28
